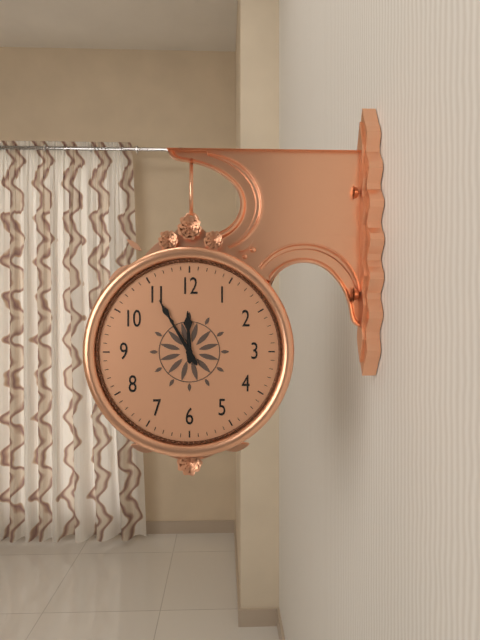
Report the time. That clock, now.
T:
11:55
